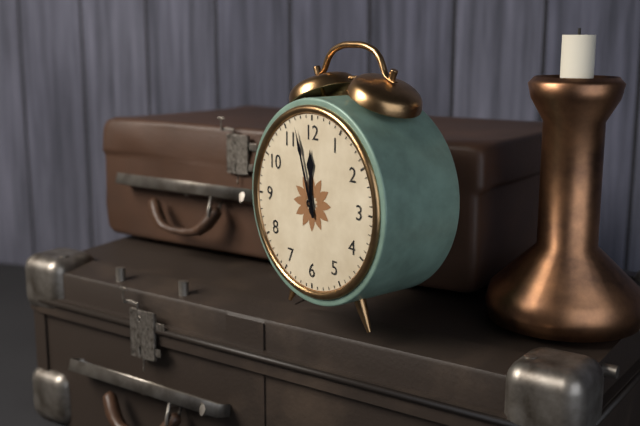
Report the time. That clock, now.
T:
11:57
